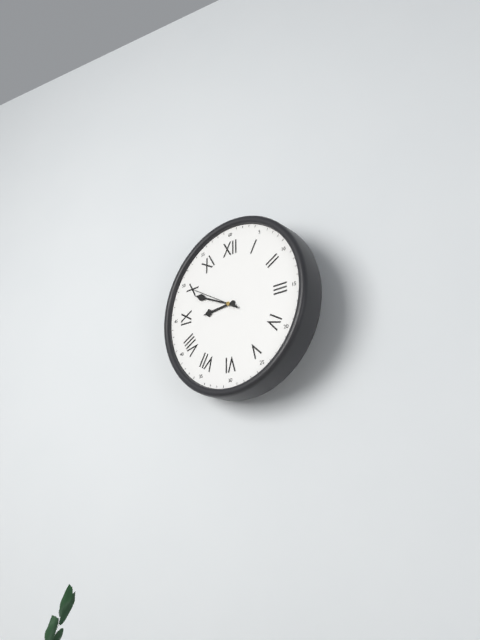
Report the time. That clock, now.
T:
8:49:50
